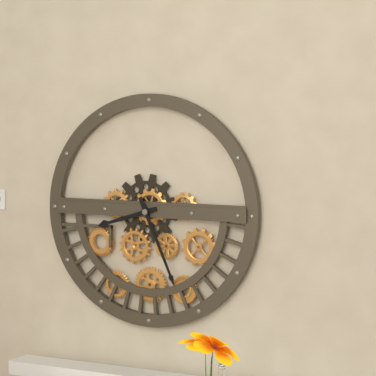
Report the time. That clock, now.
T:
8:26
